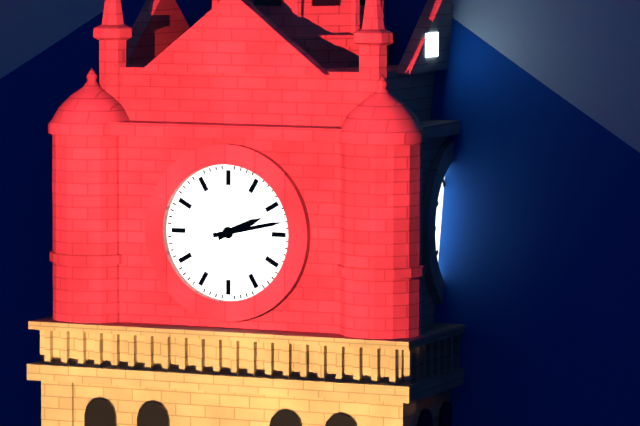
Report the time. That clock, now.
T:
2:13
